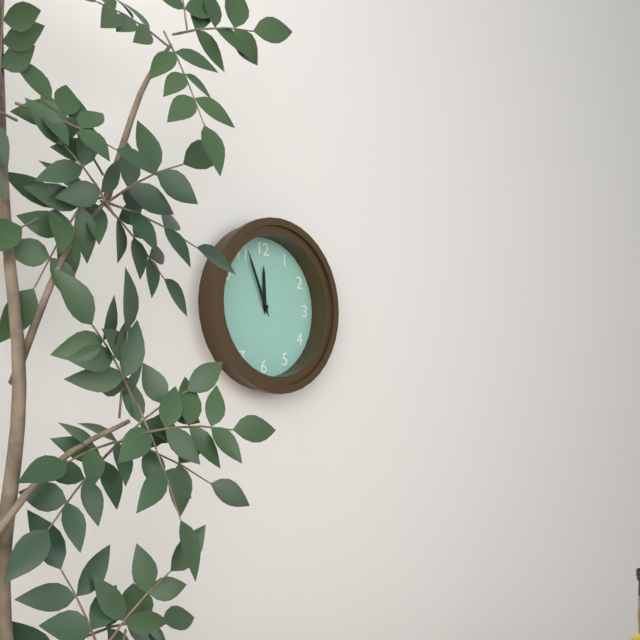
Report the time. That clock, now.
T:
11:56
